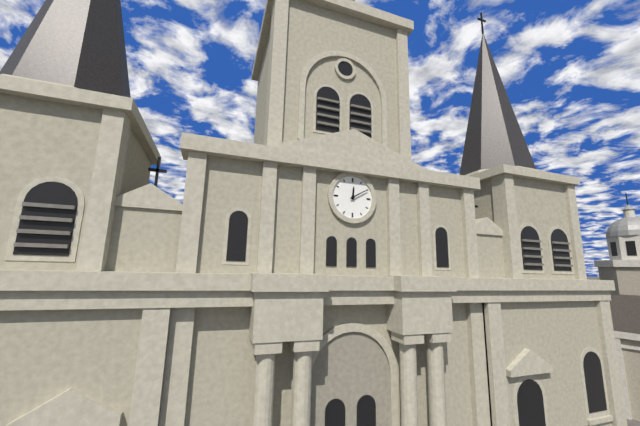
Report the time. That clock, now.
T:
12:10
